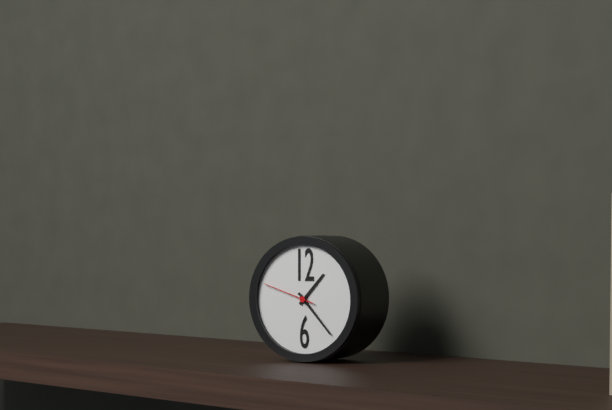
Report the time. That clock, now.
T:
1:23:48
